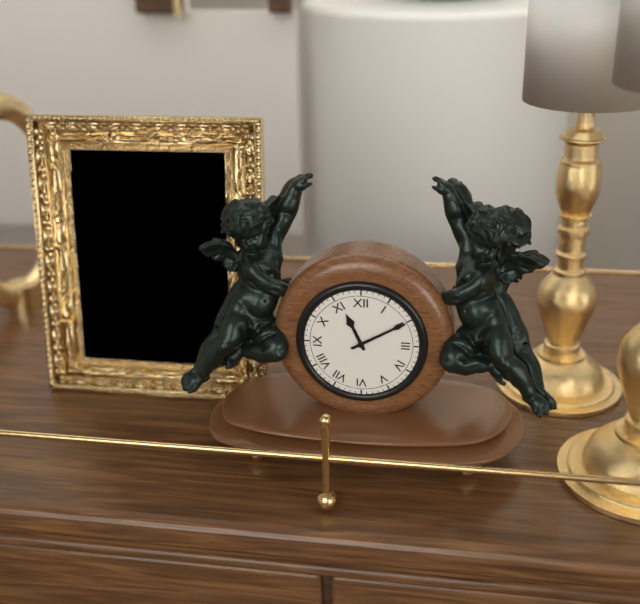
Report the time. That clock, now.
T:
11:10
